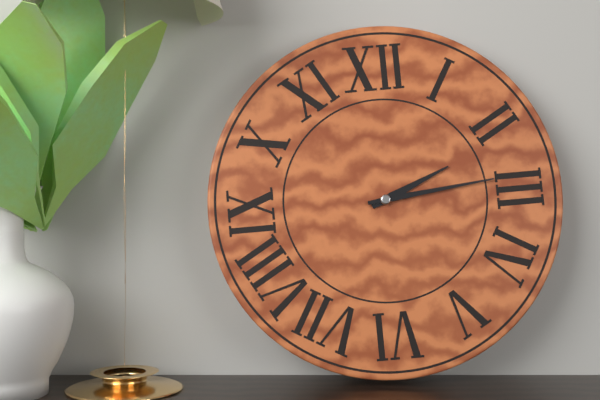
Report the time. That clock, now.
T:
2:14
